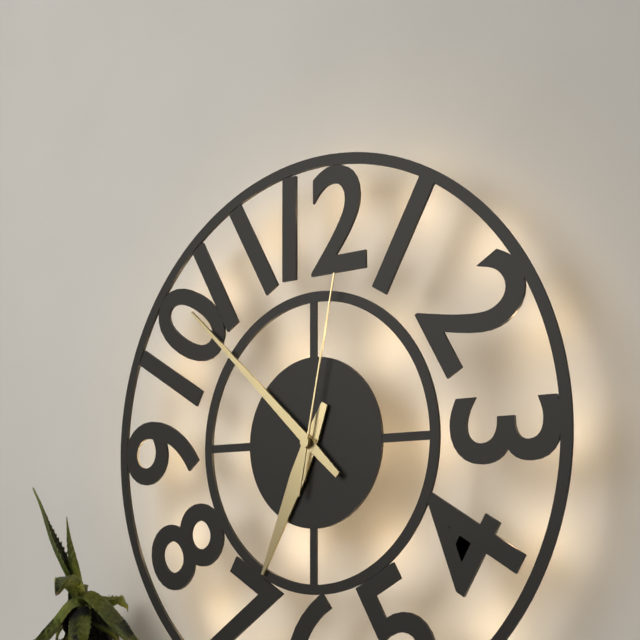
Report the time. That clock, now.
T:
6:52:02
